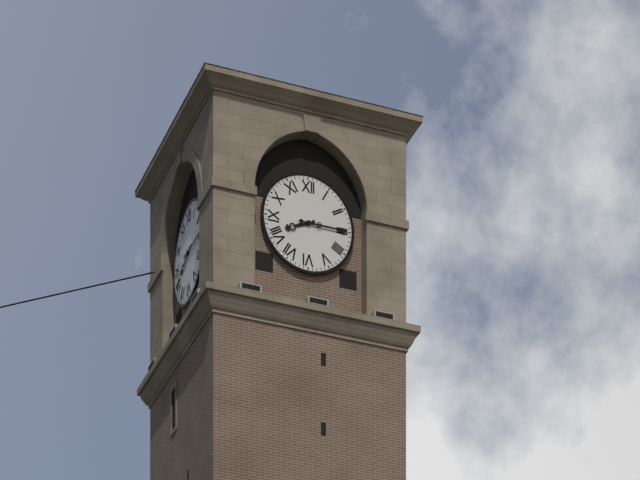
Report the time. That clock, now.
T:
8:15
